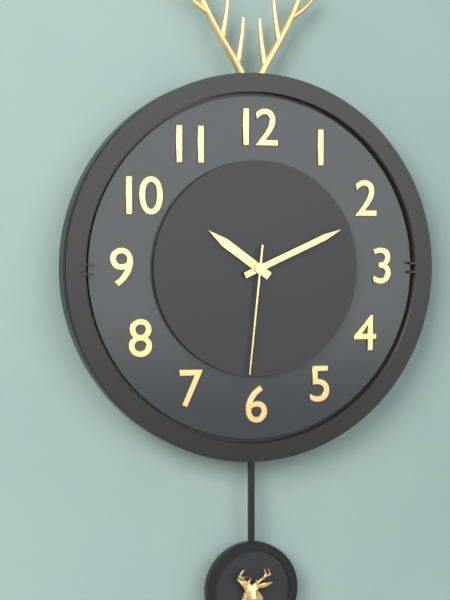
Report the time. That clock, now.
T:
10:11:31
